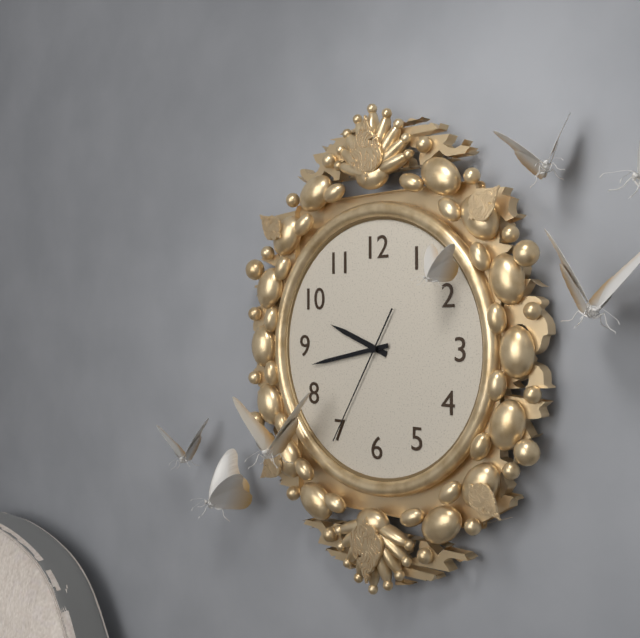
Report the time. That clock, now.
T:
9:43:35
